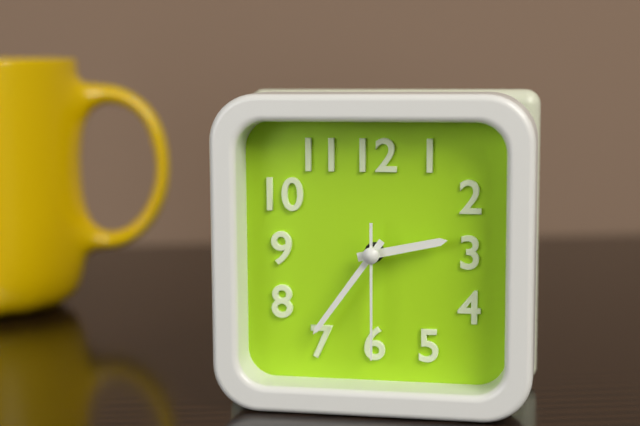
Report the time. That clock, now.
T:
2:36:30
